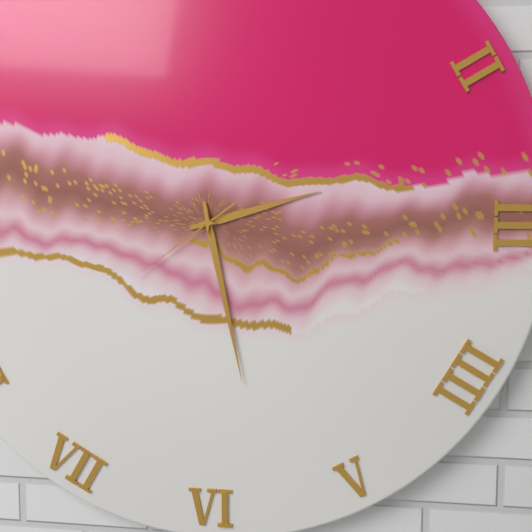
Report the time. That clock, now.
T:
2:28:39
